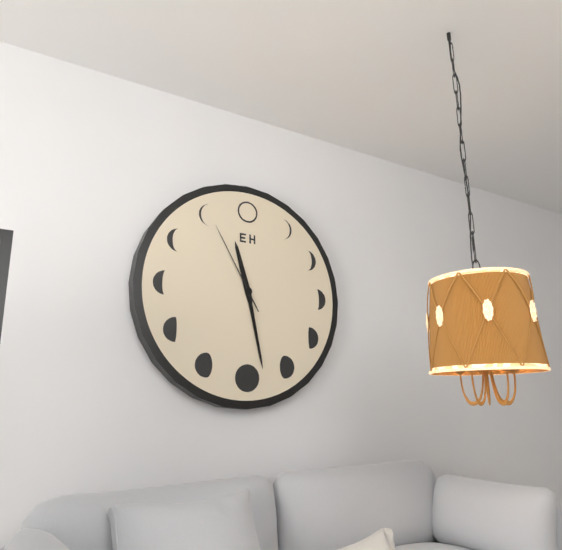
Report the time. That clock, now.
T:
11:28:55
